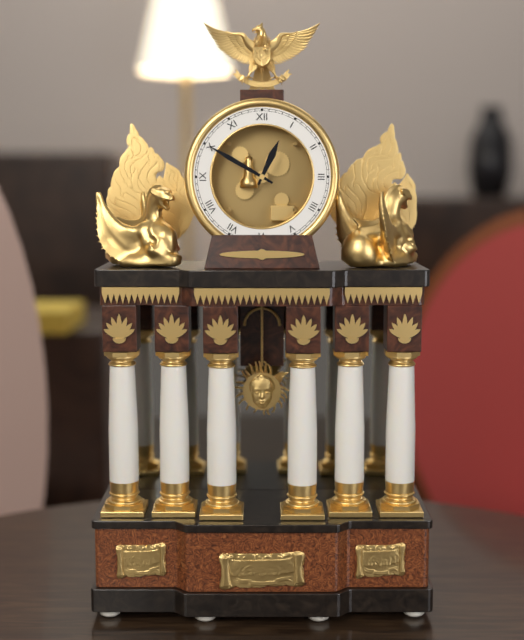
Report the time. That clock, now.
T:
12:50
